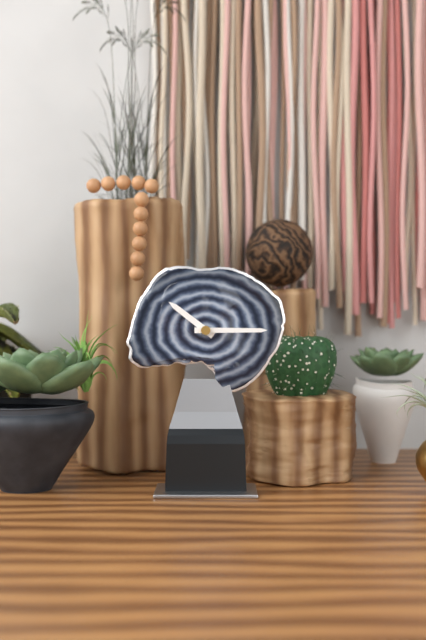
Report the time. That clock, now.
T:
10:15
